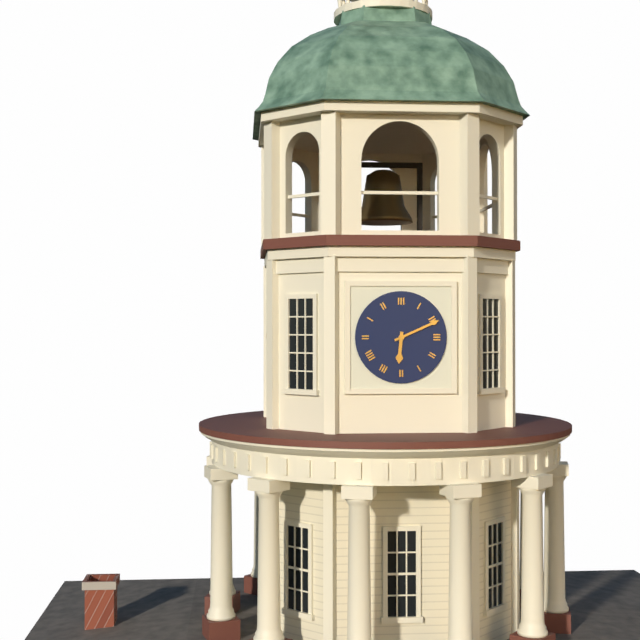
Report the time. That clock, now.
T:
6:11
